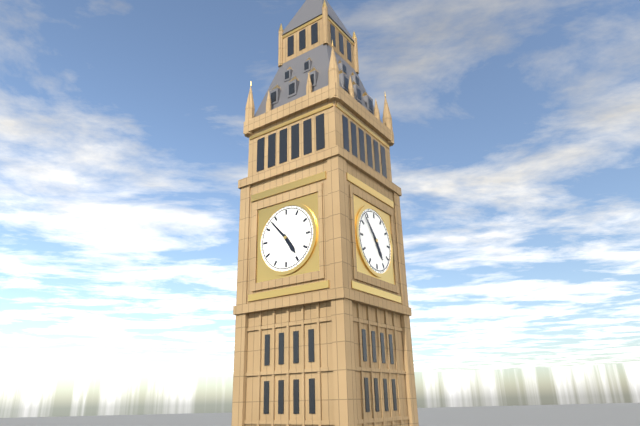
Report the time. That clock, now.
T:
4:53
